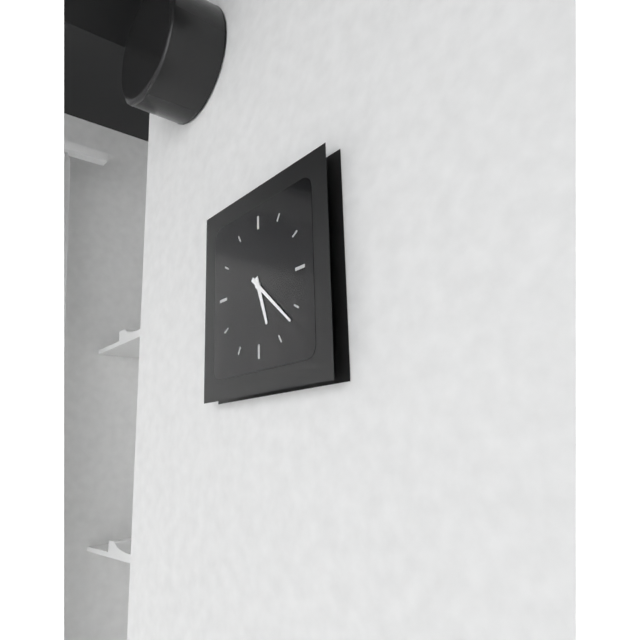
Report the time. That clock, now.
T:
5:22
